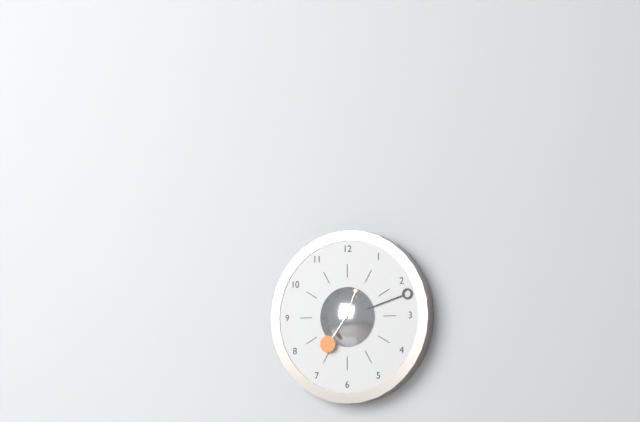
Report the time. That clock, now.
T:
7:12
